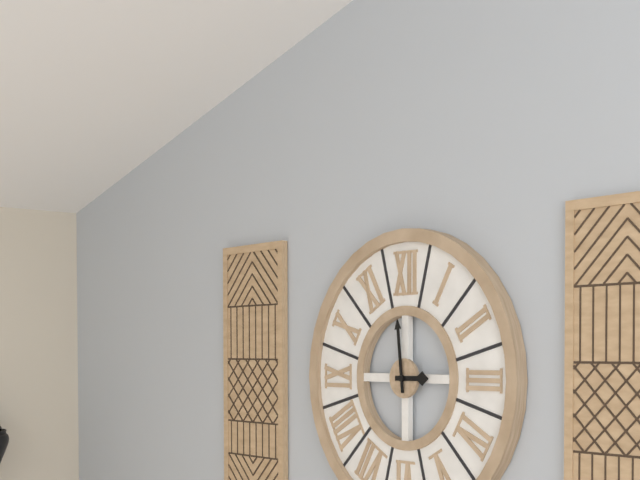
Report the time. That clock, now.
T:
2:59
